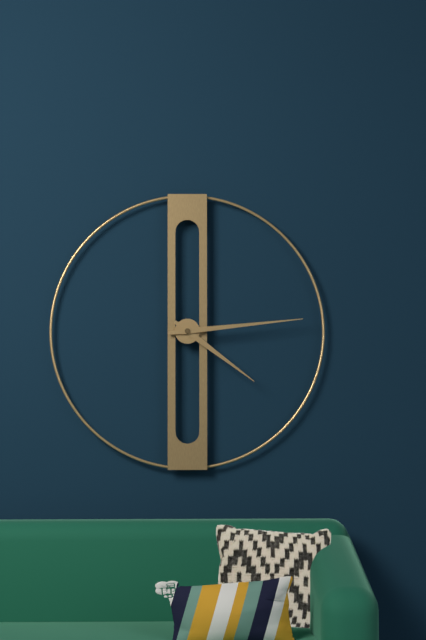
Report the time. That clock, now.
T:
4:14
